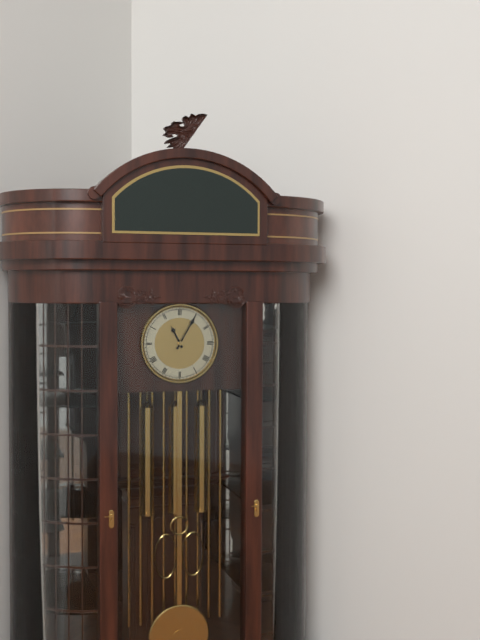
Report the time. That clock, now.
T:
11:05
